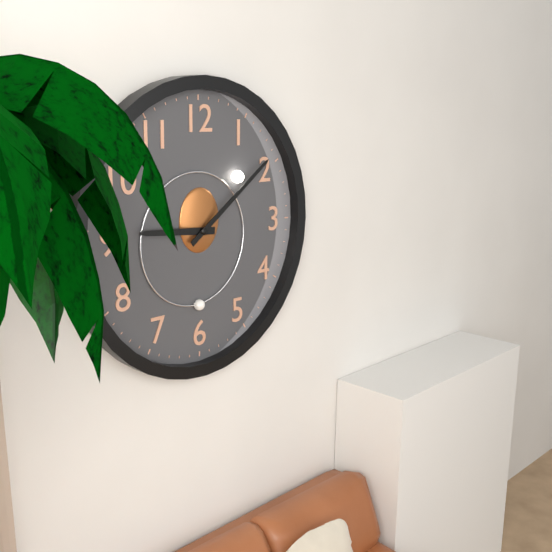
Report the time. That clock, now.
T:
9:09
